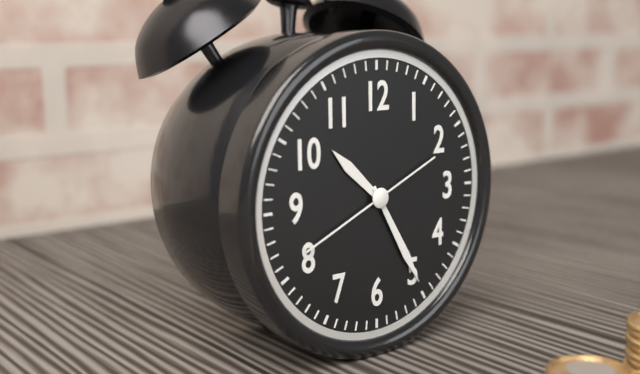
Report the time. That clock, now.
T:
10:25:41
